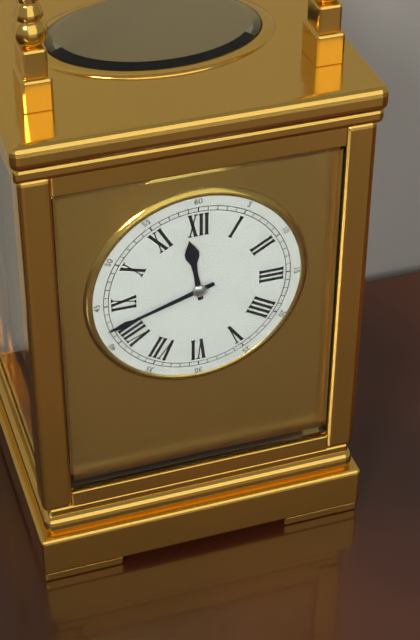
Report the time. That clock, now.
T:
11:42
